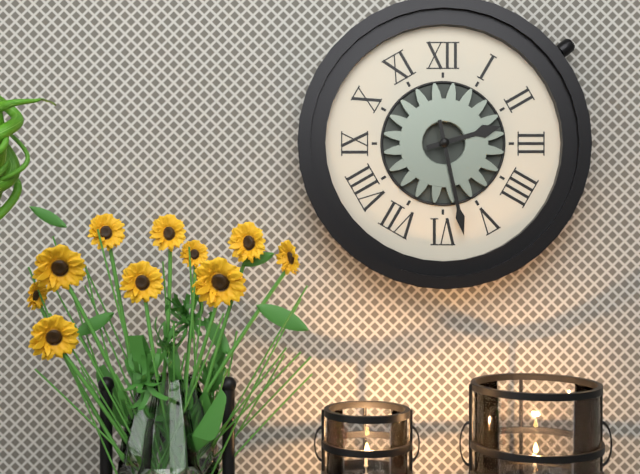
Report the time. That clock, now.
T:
2:28
